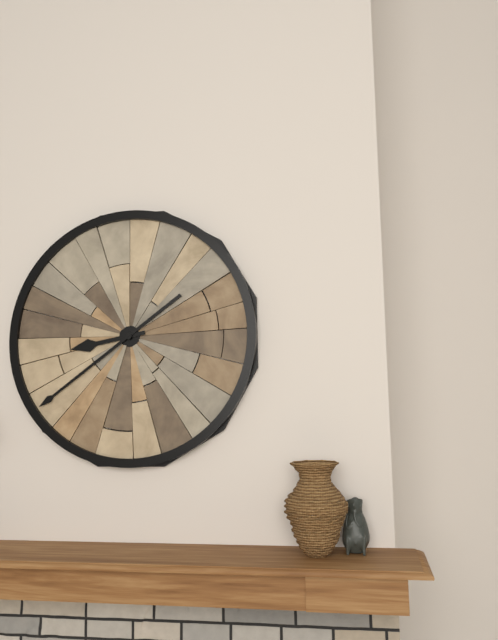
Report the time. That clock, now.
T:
8:39
